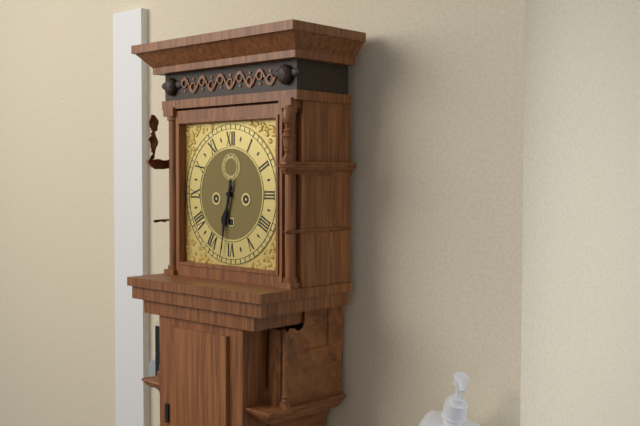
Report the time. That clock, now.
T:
6:32
